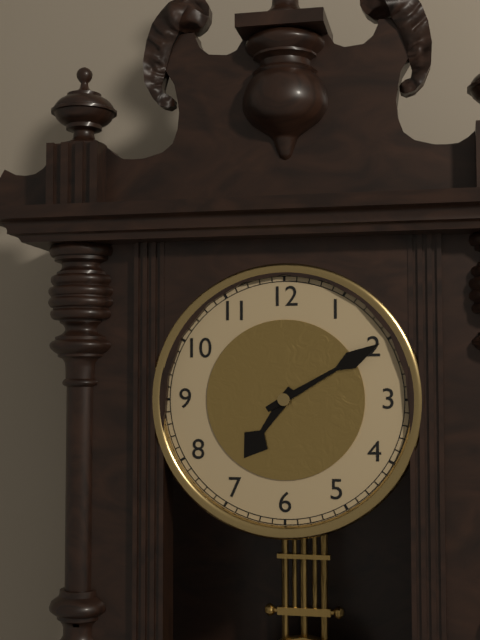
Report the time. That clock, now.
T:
7:10
